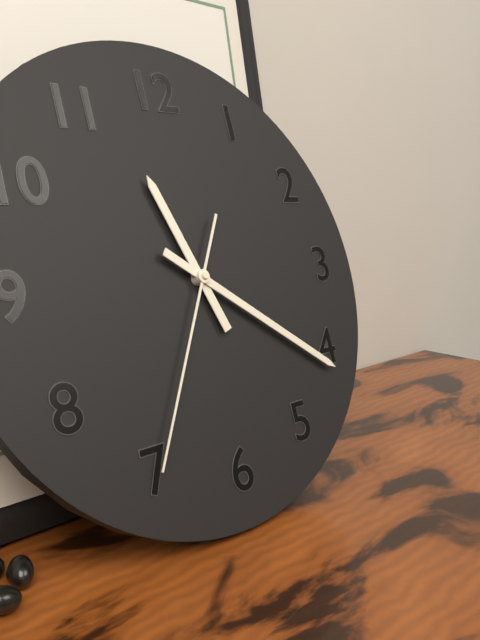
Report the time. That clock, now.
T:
11:21:35
